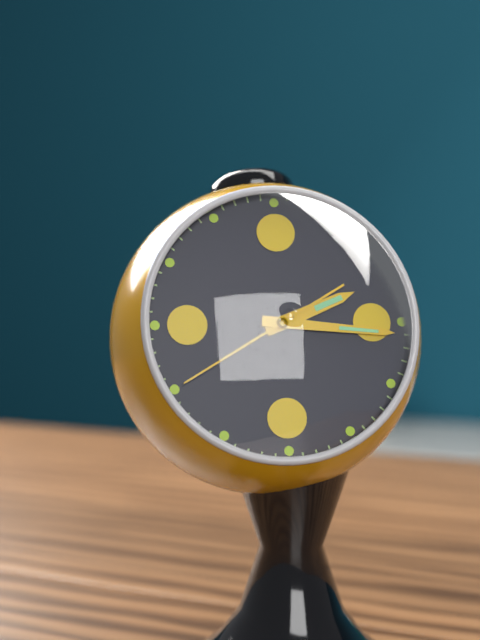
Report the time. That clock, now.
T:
2:16:40
